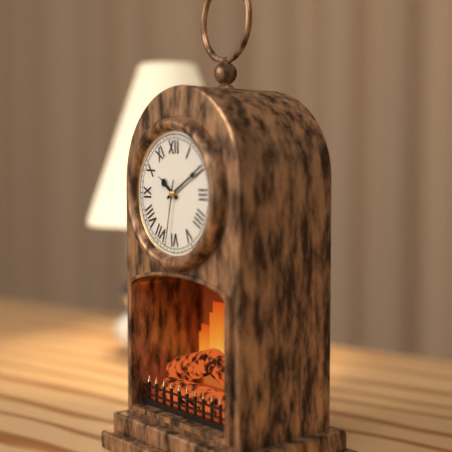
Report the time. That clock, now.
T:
10:10:32
